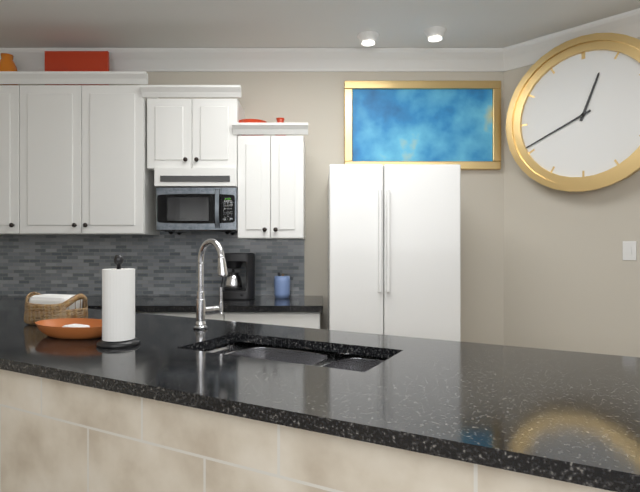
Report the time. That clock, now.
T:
12:41
